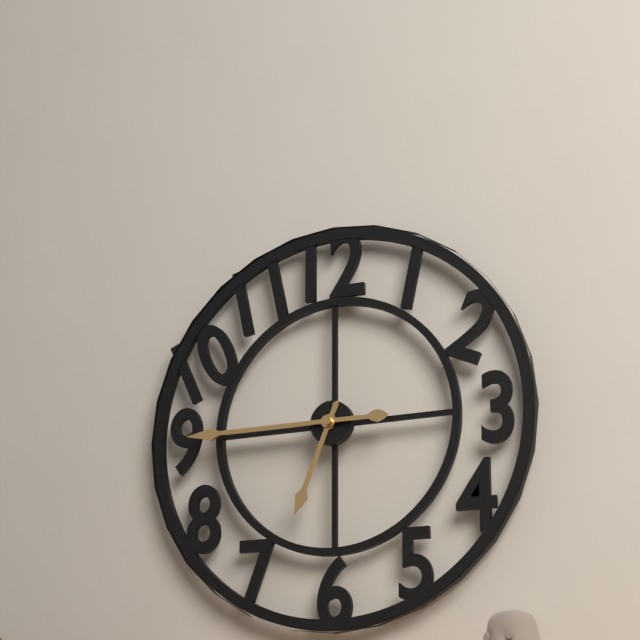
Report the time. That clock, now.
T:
6:45
